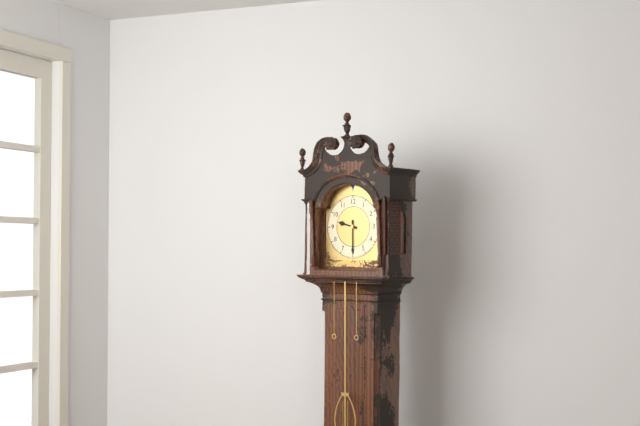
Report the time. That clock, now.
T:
9:30
